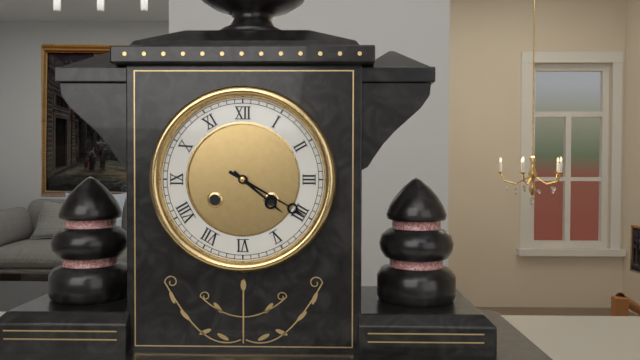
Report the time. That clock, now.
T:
4:20
